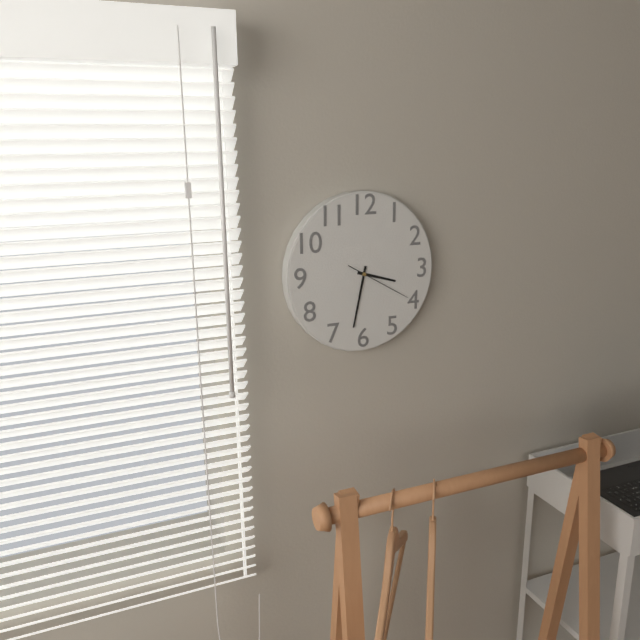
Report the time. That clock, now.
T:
3:32:20
